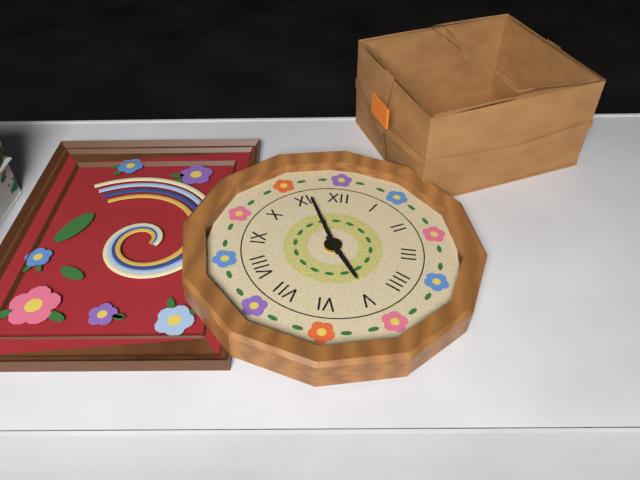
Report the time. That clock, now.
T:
4:56
